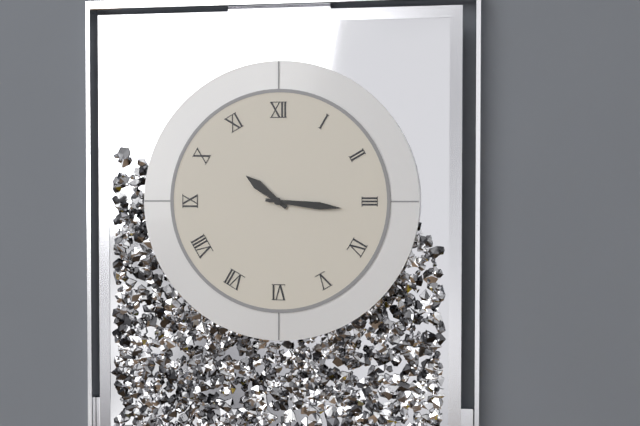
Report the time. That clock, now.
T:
10:16
